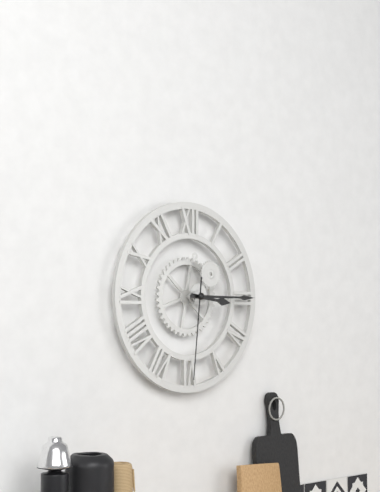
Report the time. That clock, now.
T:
3:15:31
